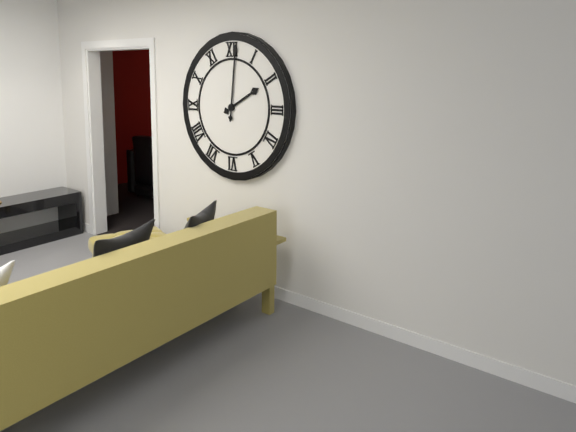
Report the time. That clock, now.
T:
2:01
